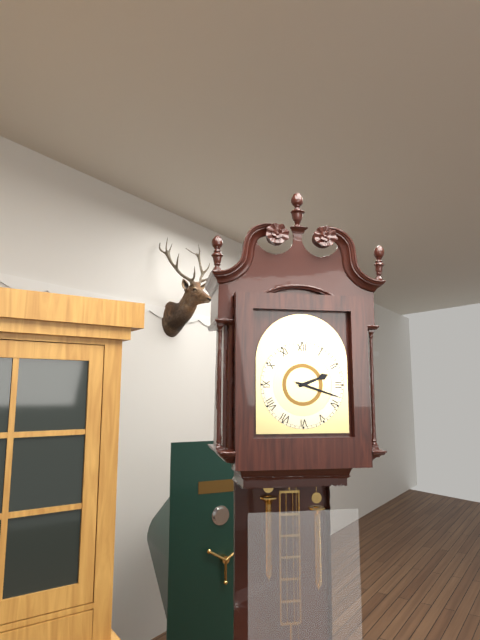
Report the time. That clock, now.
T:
2:18
